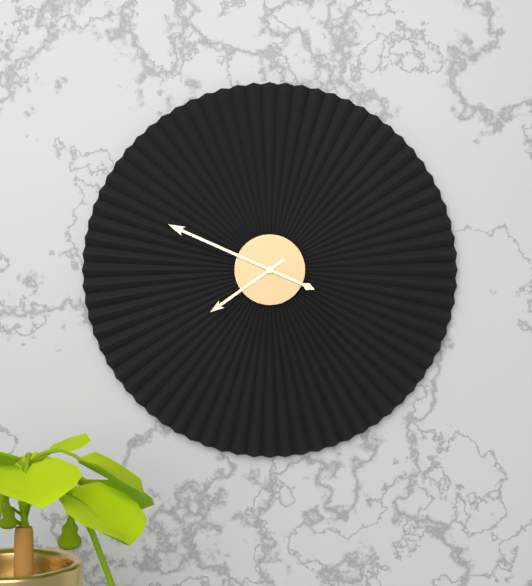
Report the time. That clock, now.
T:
7:49
